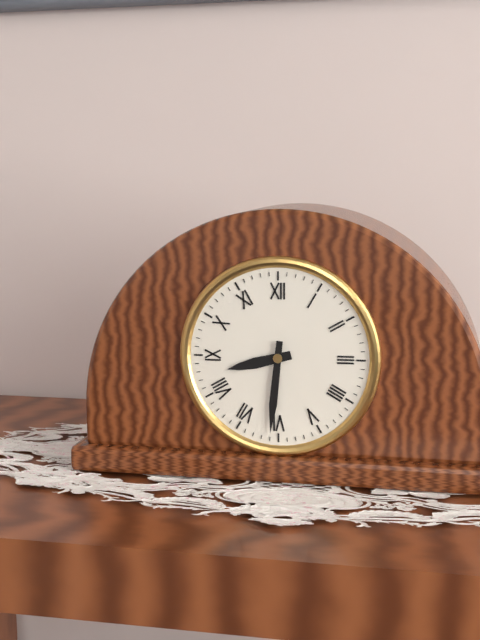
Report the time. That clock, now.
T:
8:31
